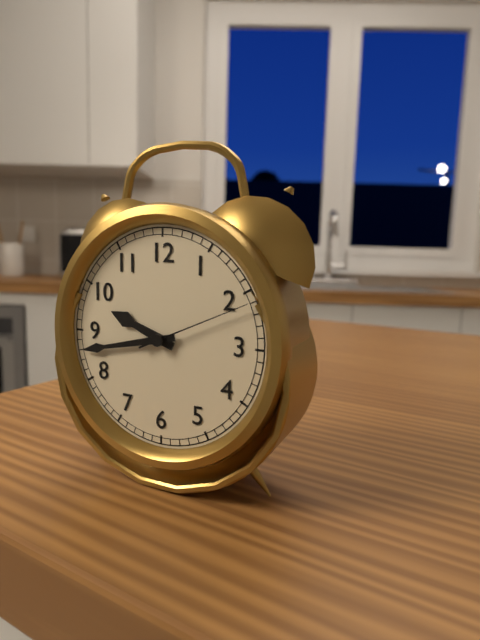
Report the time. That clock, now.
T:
9:43:11
